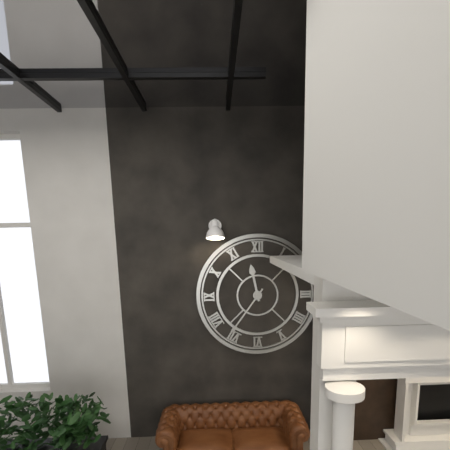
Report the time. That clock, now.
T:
11:36
